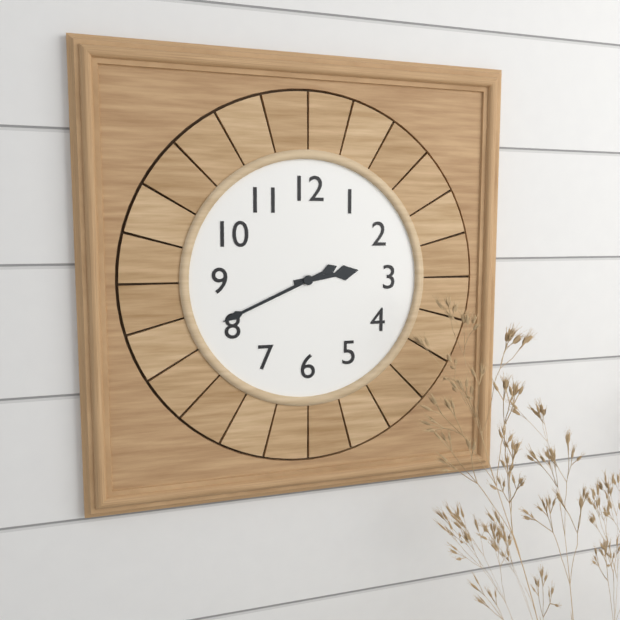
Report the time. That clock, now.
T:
2:41
